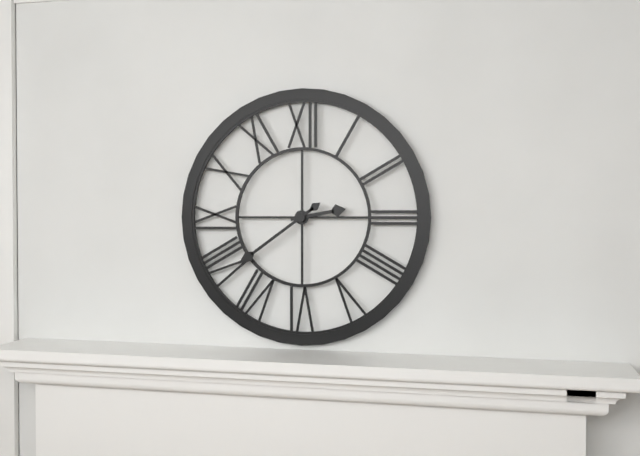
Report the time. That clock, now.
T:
2:39
